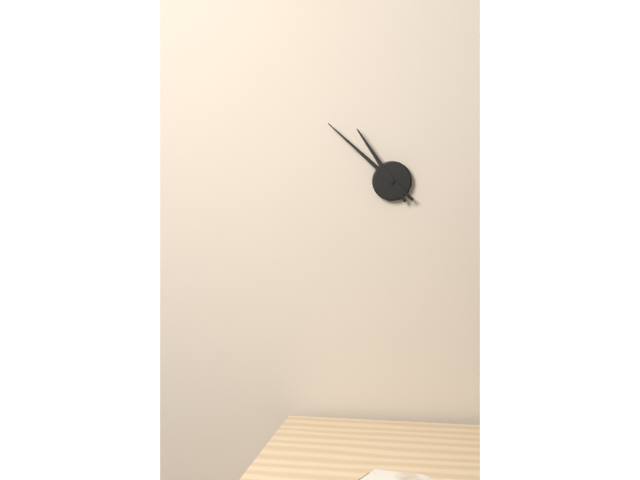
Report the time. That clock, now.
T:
10:52
